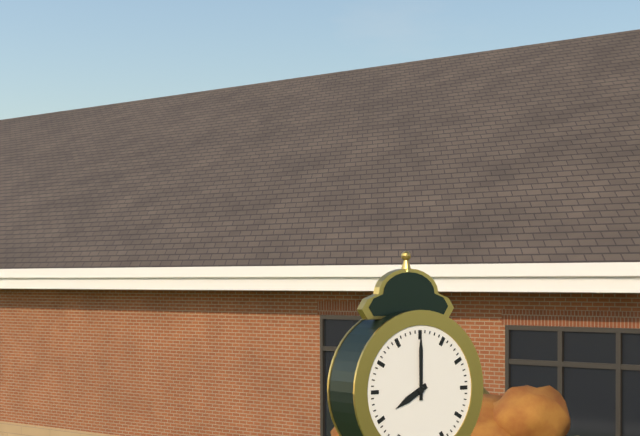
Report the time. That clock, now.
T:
8:00
